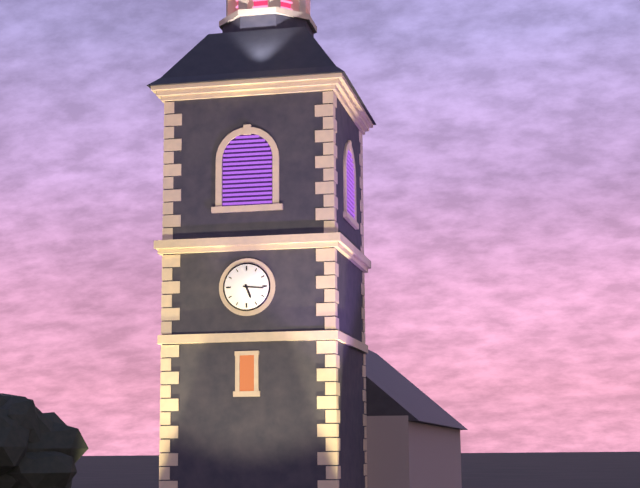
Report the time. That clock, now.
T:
5:16
